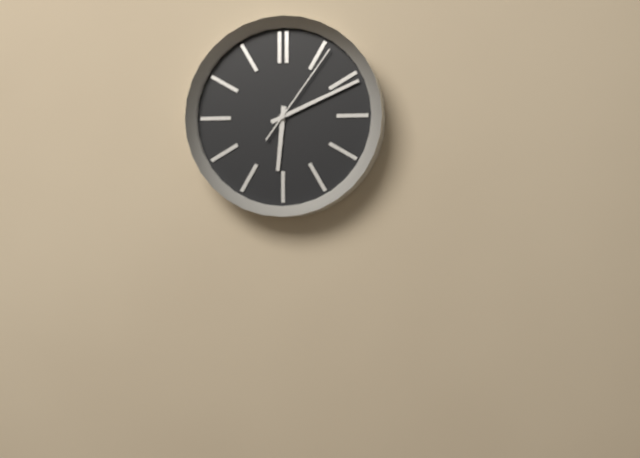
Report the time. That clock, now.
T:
6:11:06
